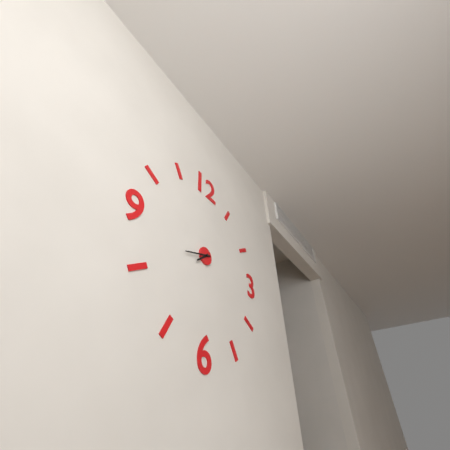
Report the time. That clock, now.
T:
7:42
